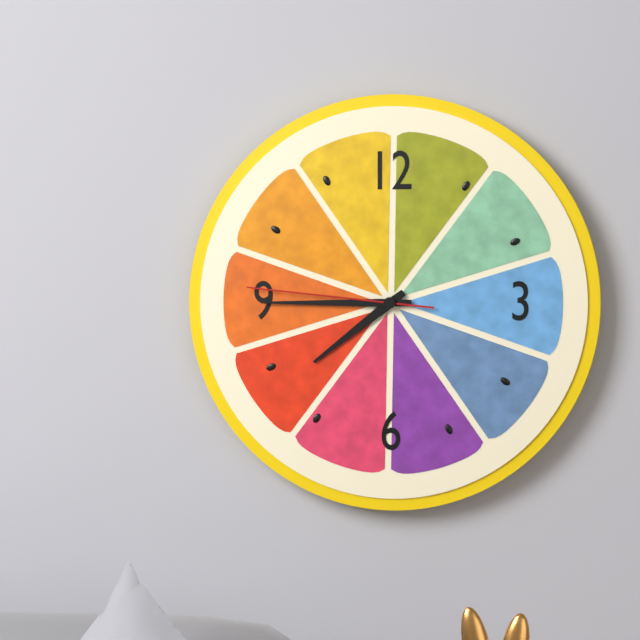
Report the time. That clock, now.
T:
7:45:46
